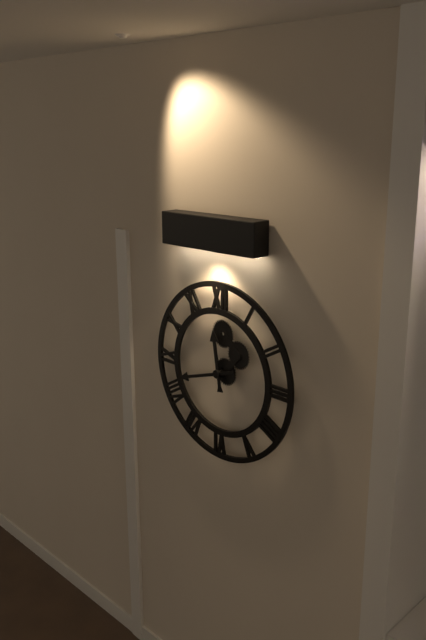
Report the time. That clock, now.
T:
11:42
